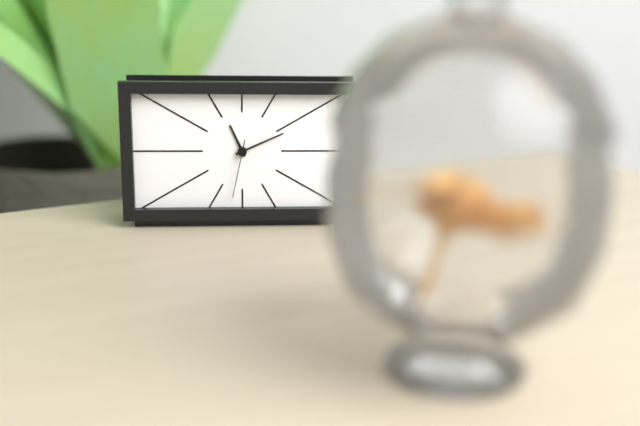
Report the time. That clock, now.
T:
11:11:32
